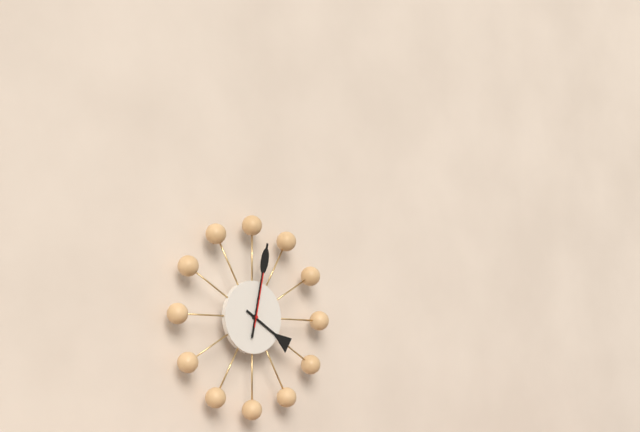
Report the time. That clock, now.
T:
4:02:02
